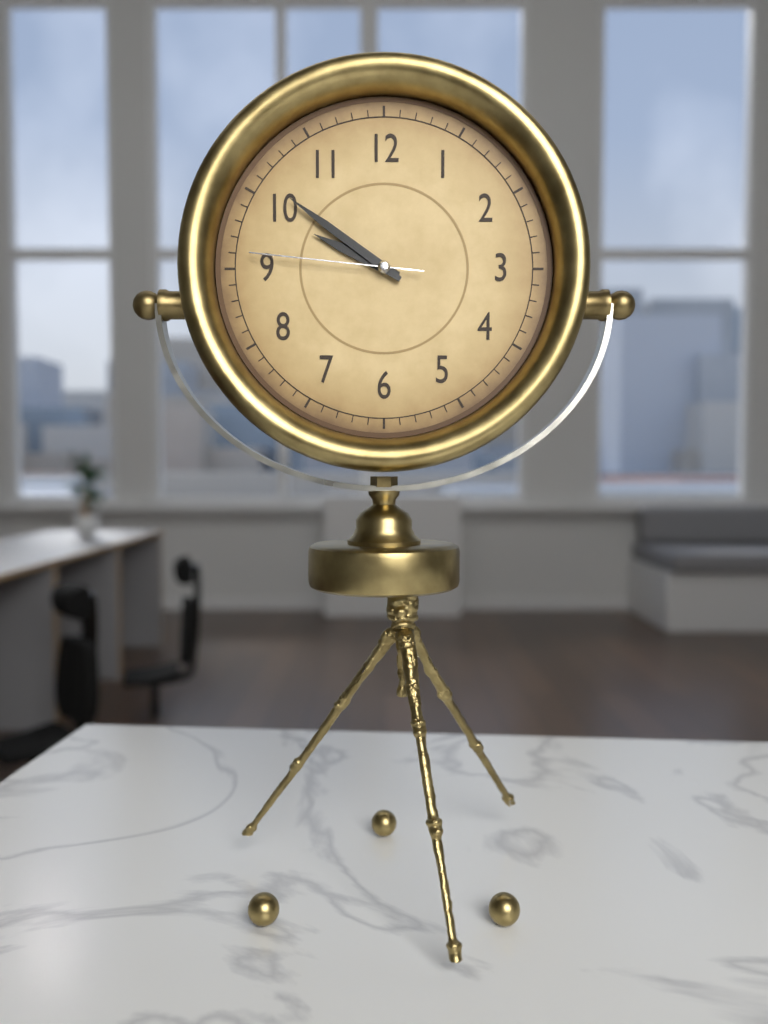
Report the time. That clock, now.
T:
9:51:46
